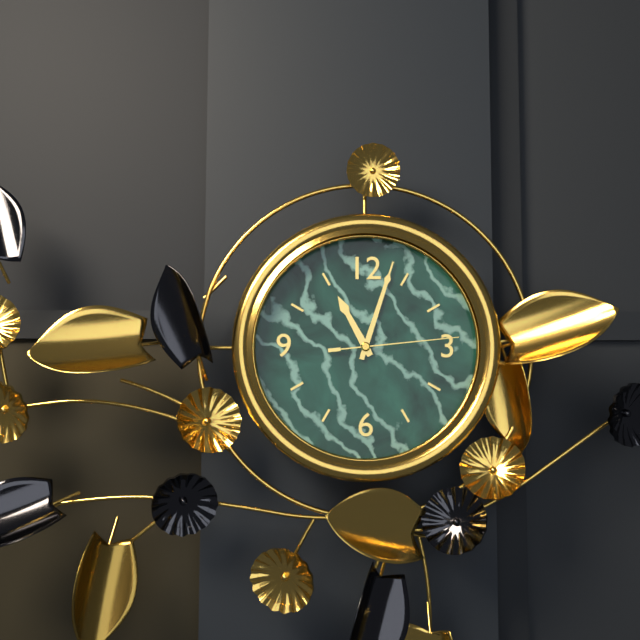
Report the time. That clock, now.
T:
11:03:14
